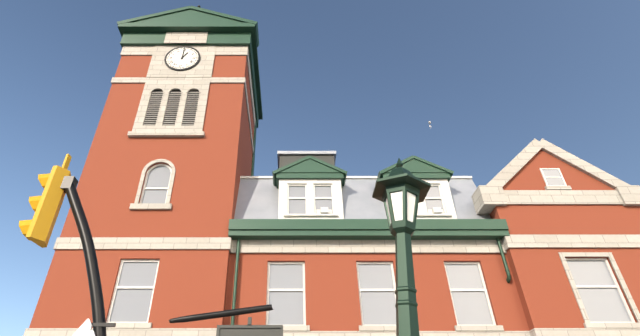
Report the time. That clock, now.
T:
1:00
